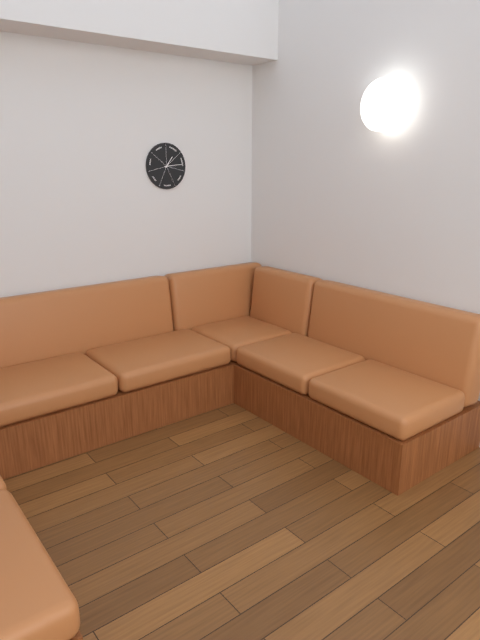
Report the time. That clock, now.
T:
1:14
